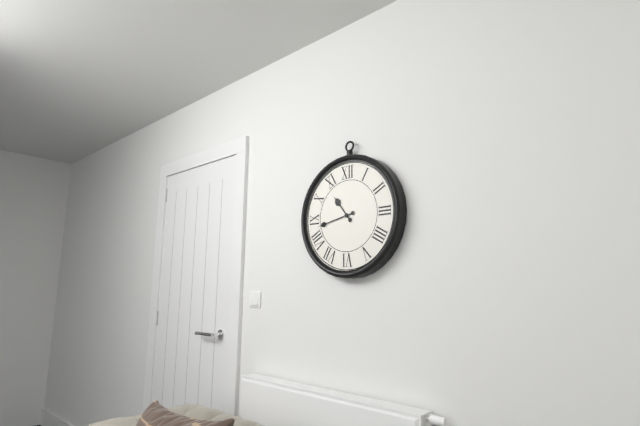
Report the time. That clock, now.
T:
10:43
